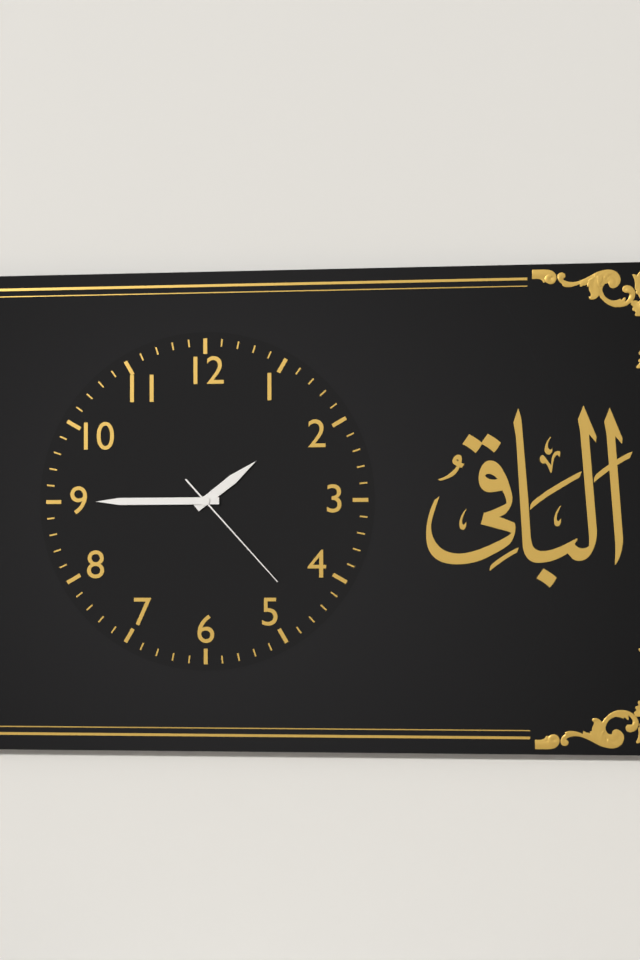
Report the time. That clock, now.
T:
1:45:23
